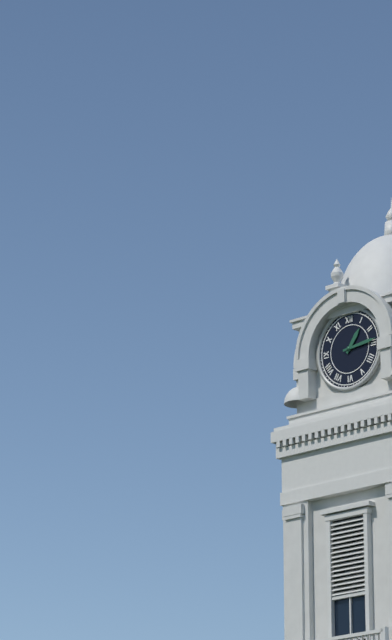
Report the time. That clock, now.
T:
1:14
